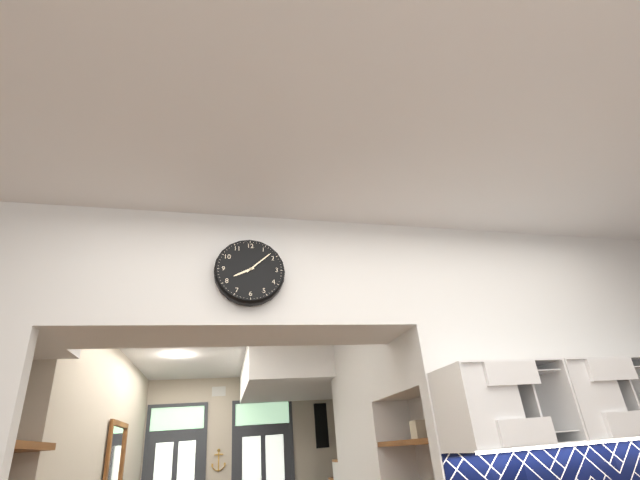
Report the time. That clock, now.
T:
8:08
